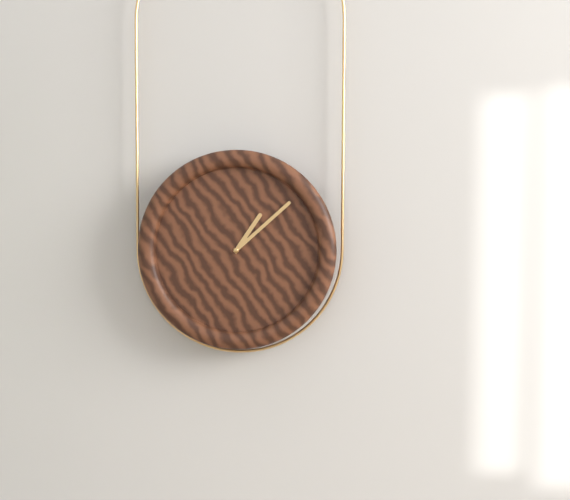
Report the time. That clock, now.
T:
1:08
